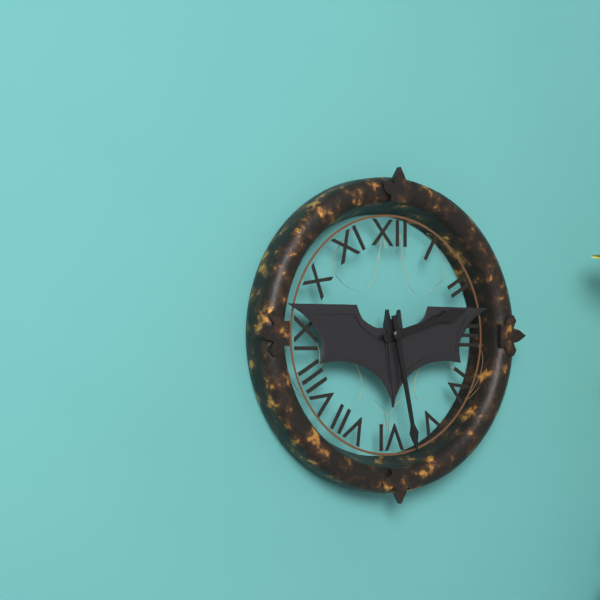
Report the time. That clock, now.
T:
2:28
